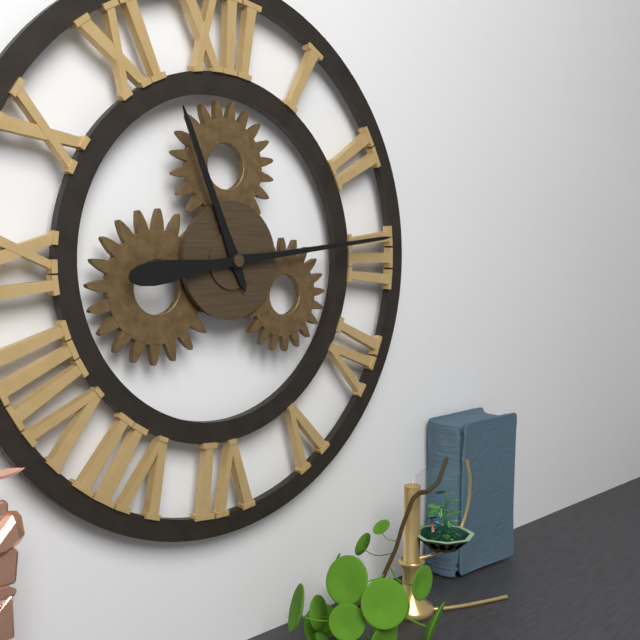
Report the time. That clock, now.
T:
11:14
